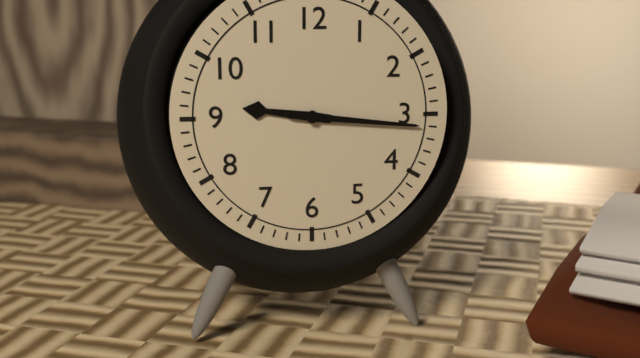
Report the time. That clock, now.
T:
9:16
